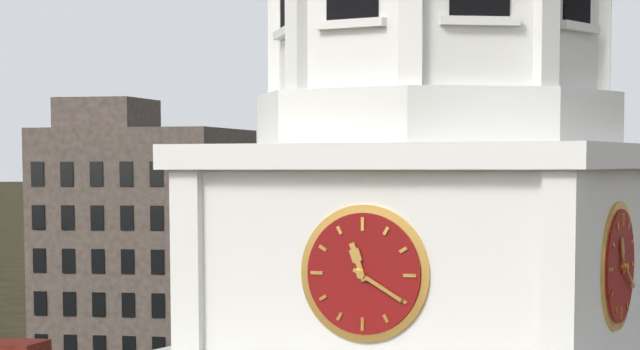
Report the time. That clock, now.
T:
11:20
